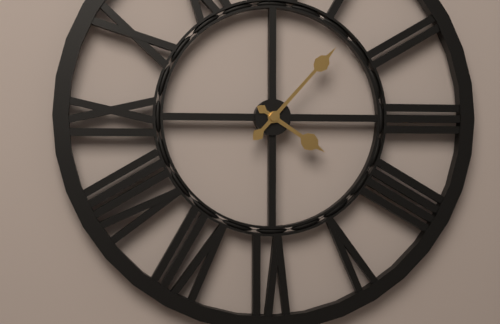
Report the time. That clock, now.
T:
4:07
